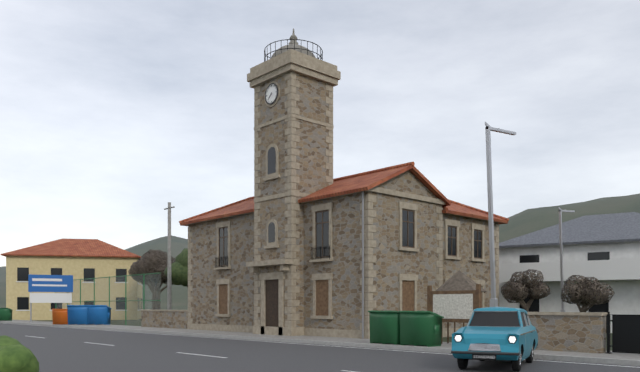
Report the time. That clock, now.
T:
7:37
